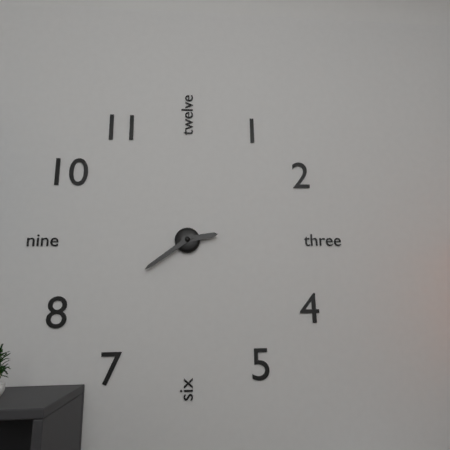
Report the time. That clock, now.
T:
2:39
